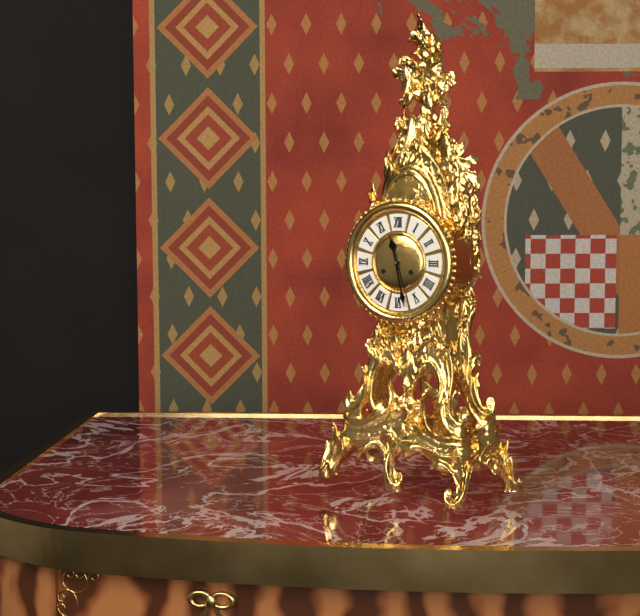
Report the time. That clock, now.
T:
11:28
